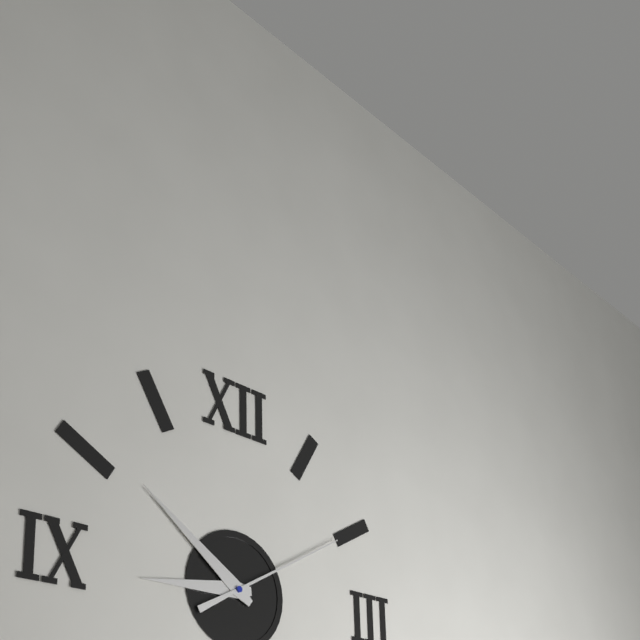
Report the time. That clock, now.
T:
8:51:10
